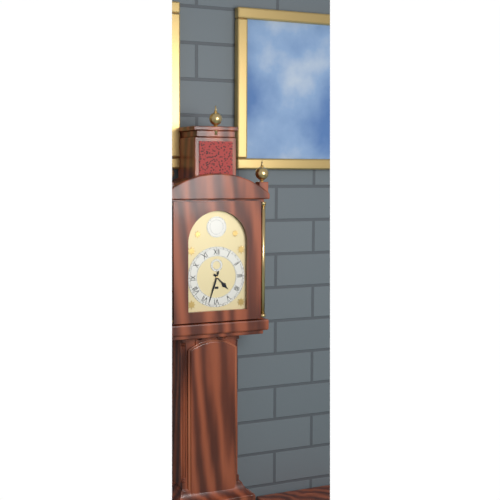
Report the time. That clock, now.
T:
4:33
